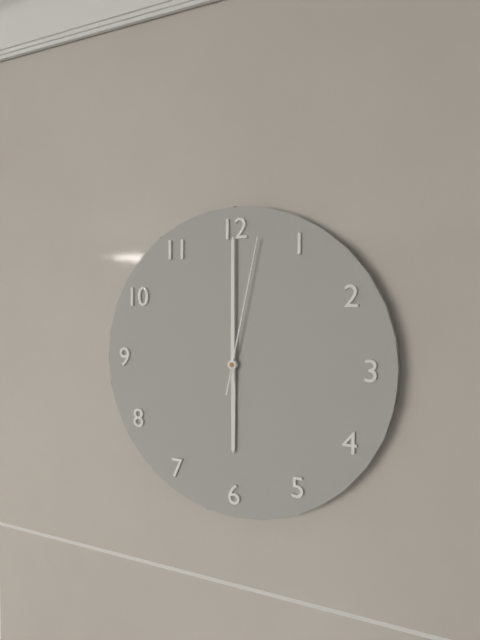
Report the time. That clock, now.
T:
6:00:02
